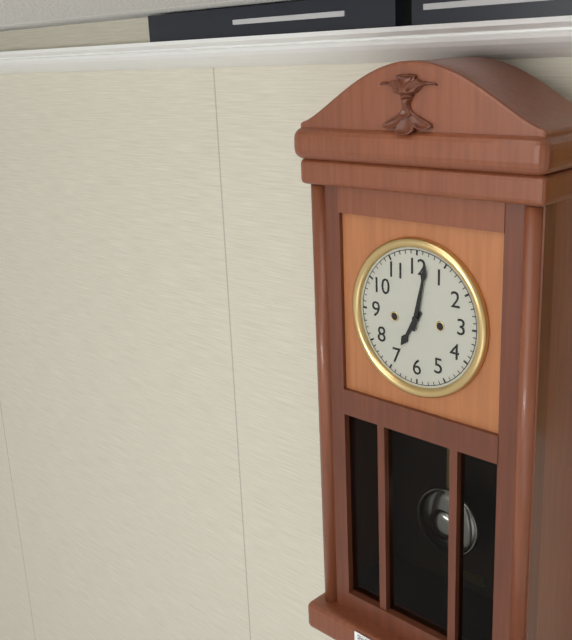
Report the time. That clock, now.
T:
7:02
